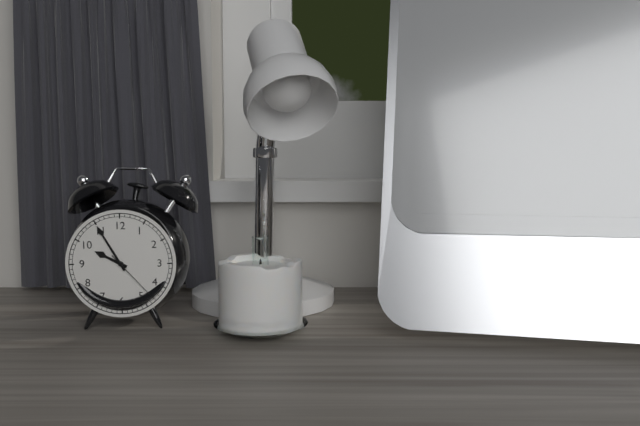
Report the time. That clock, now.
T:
9:55:23
